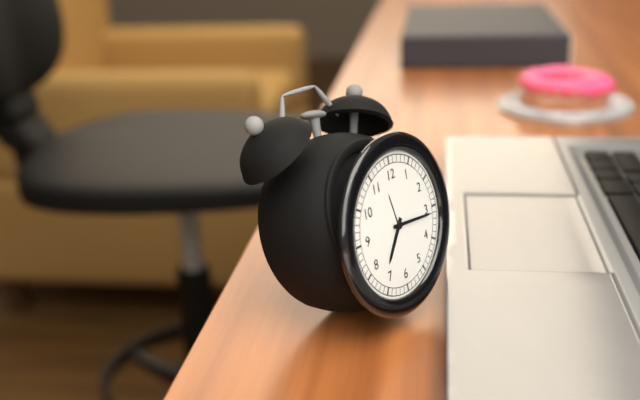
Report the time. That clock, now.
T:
7:16
